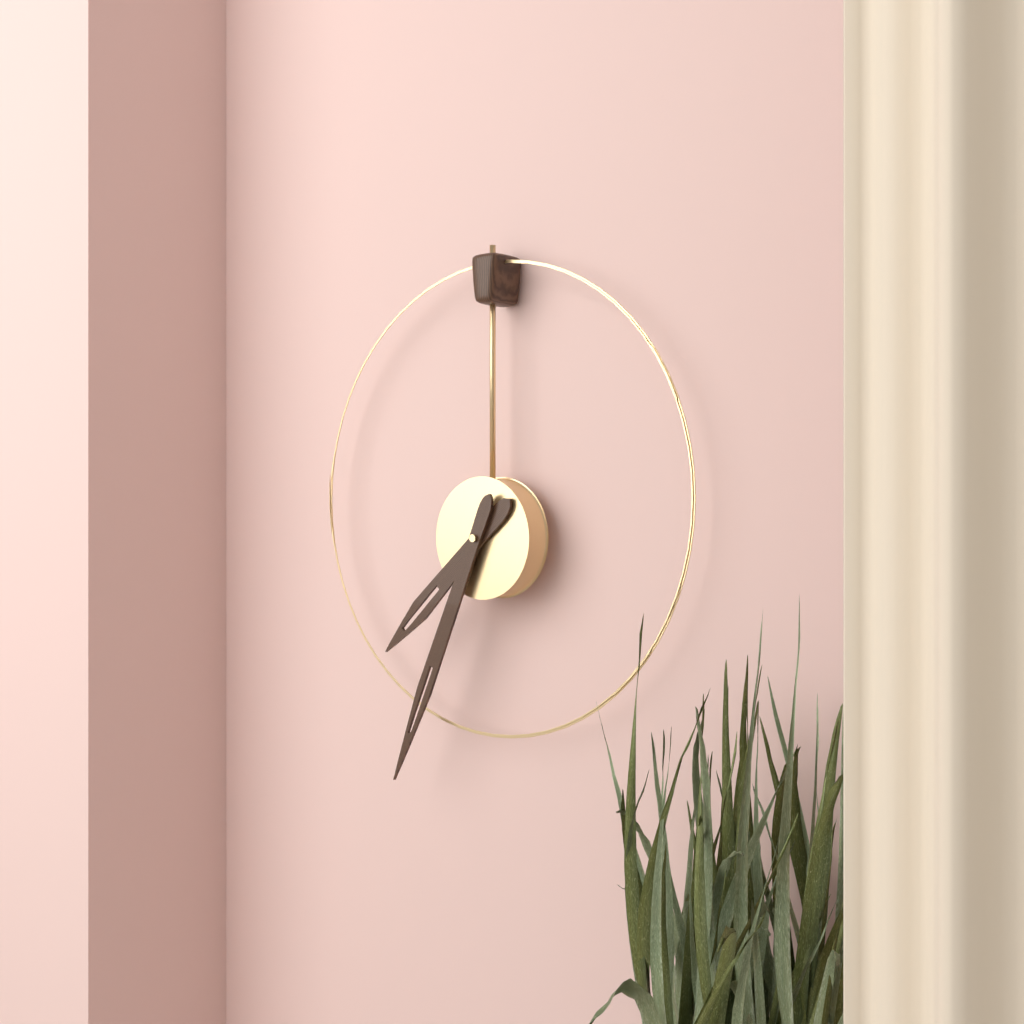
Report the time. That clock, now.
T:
7:34
